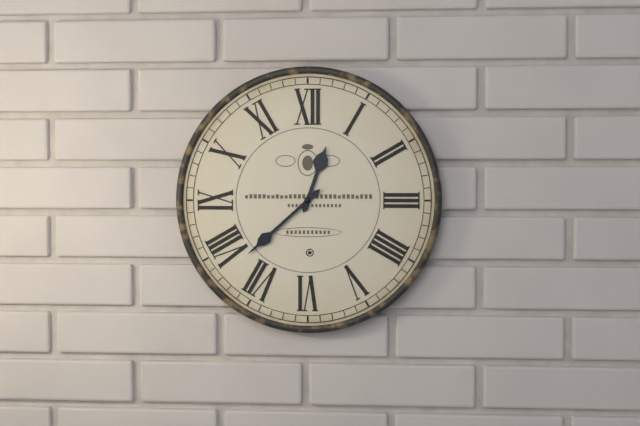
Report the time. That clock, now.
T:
12:38
